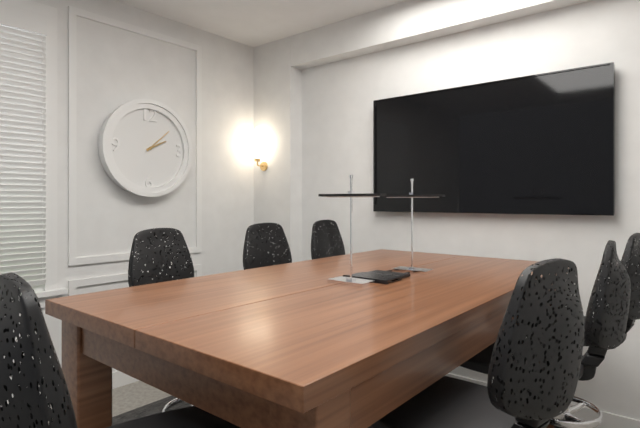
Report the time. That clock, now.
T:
2:08
